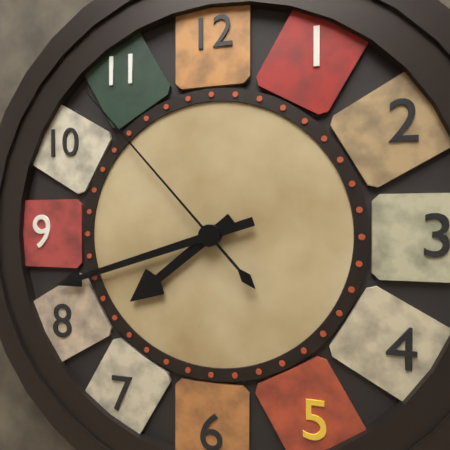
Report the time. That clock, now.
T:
7:42:53
